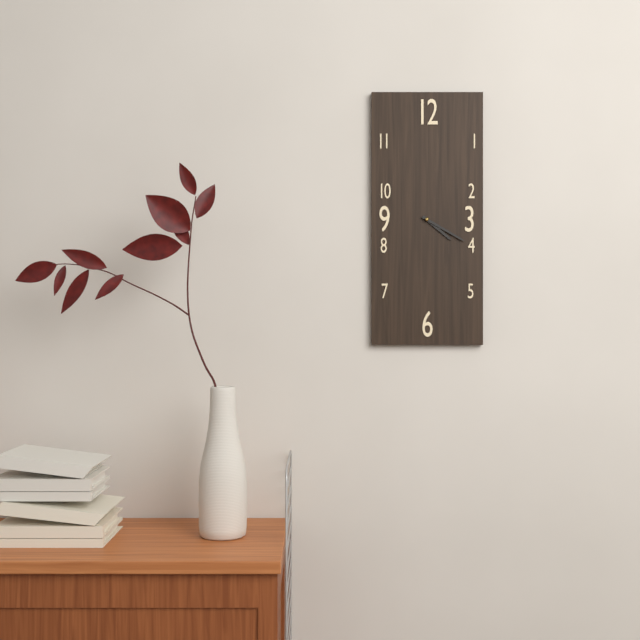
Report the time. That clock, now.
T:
4:20
